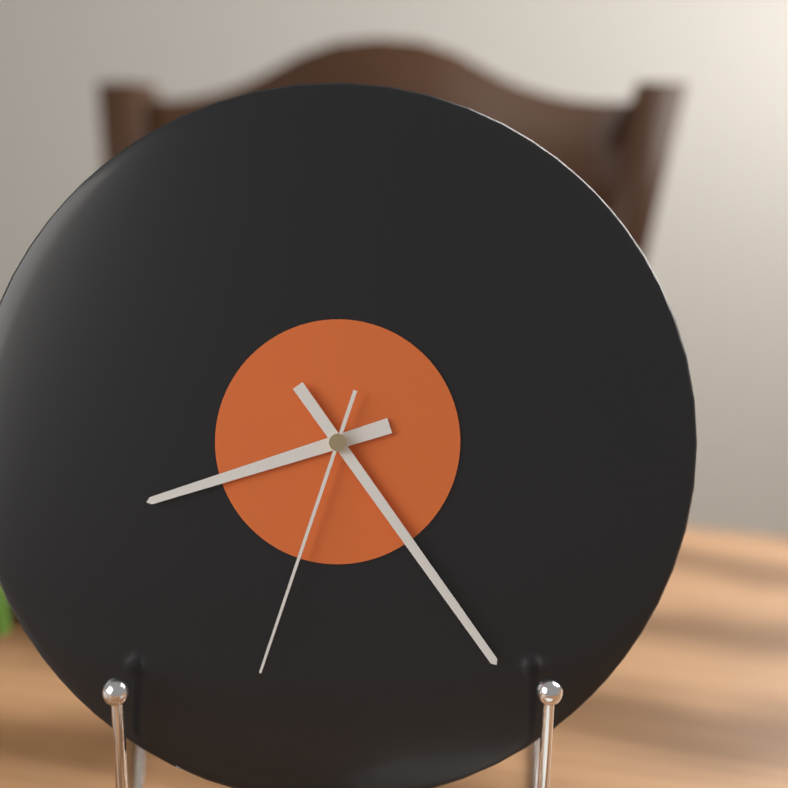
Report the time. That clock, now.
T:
8:24:33
